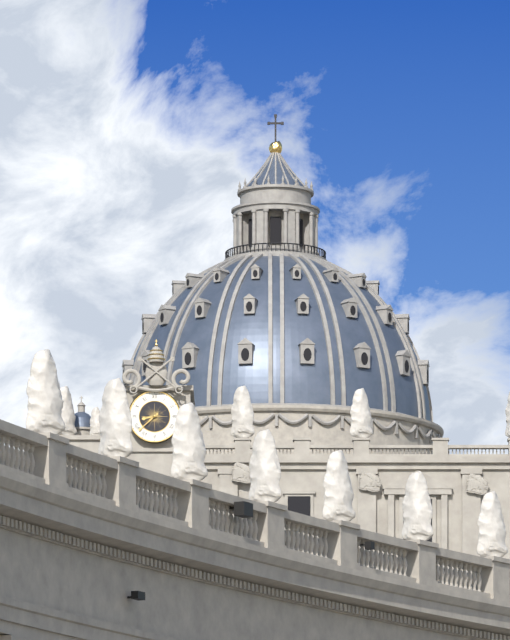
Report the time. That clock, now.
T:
8:38
